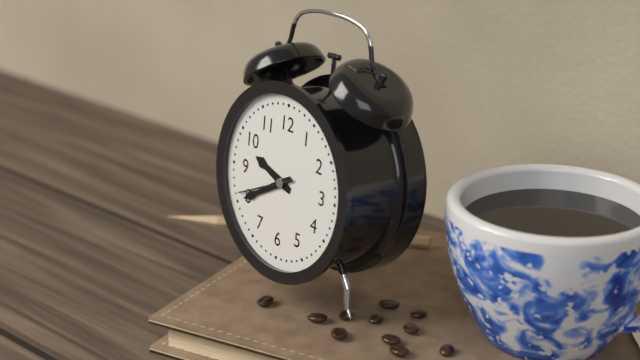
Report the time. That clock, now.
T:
9:40:41
